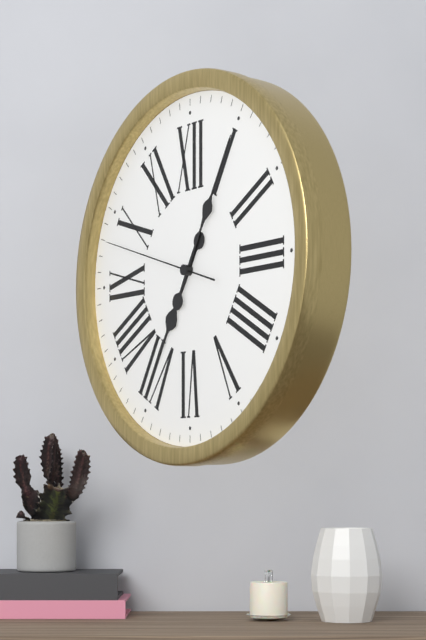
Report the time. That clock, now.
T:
7:05:48
